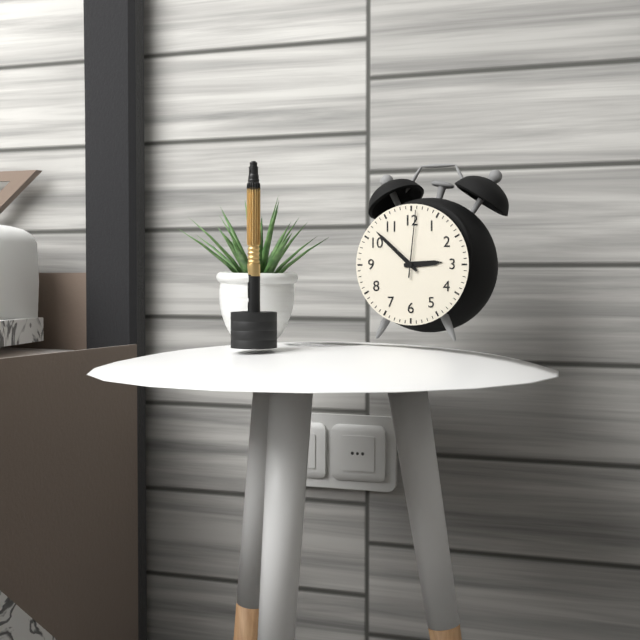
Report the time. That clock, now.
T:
2:52:01
